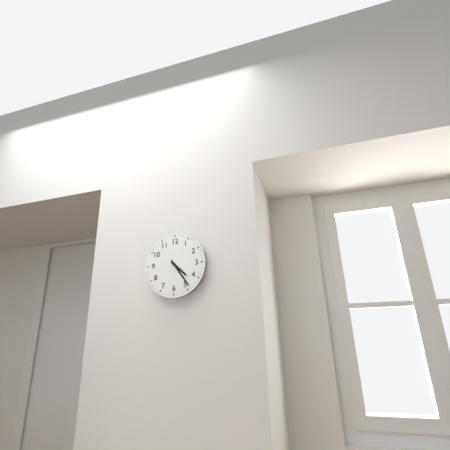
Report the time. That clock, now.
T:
4:24
